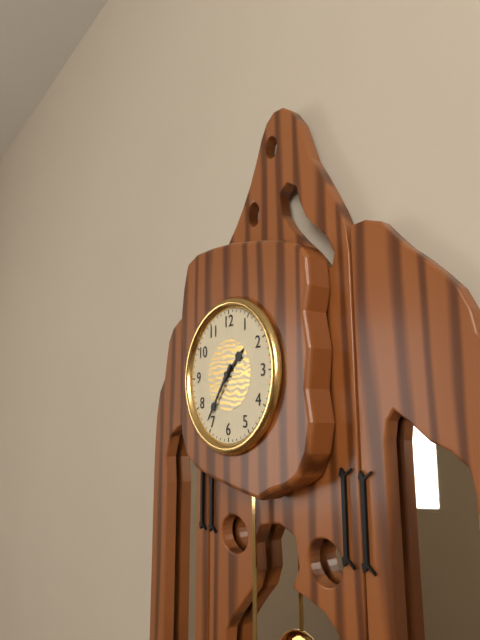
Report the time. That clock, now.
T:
1:36
